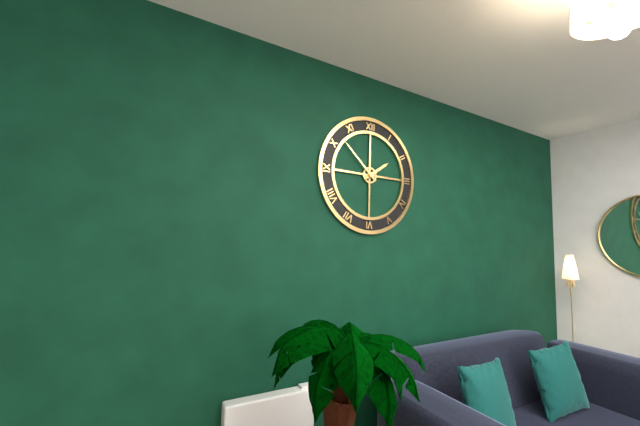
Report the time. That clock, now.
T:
1:52
